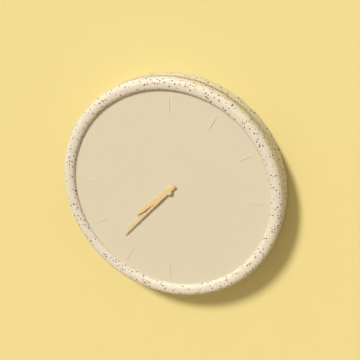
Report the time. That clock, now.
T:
7:37
